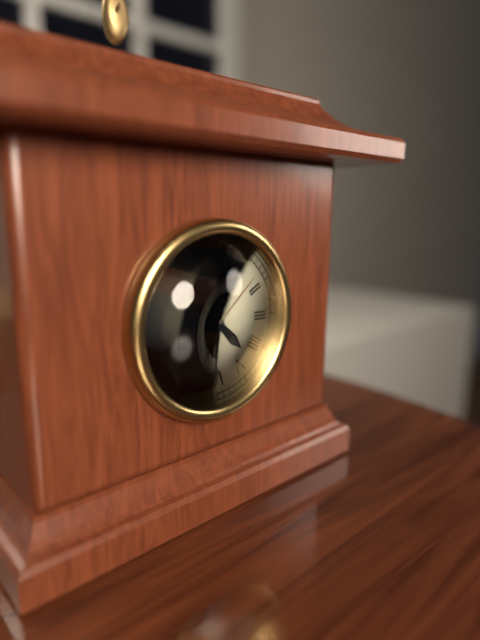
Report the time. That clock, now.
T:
4:31:08
